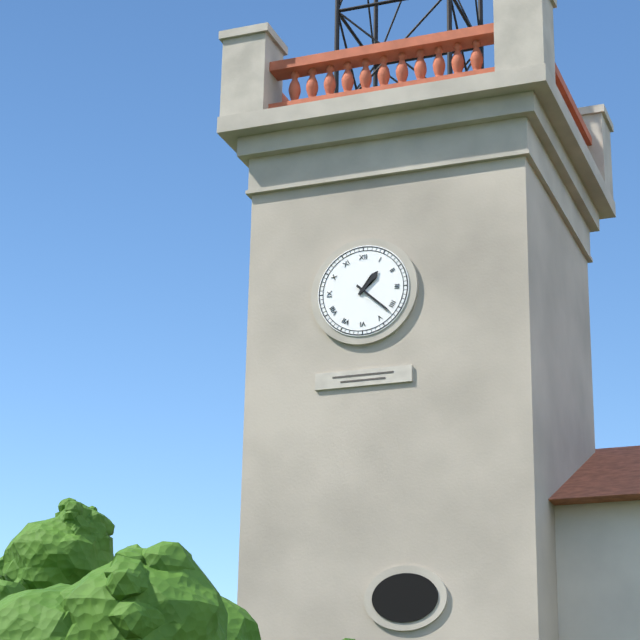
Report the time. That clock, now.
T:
1:22
